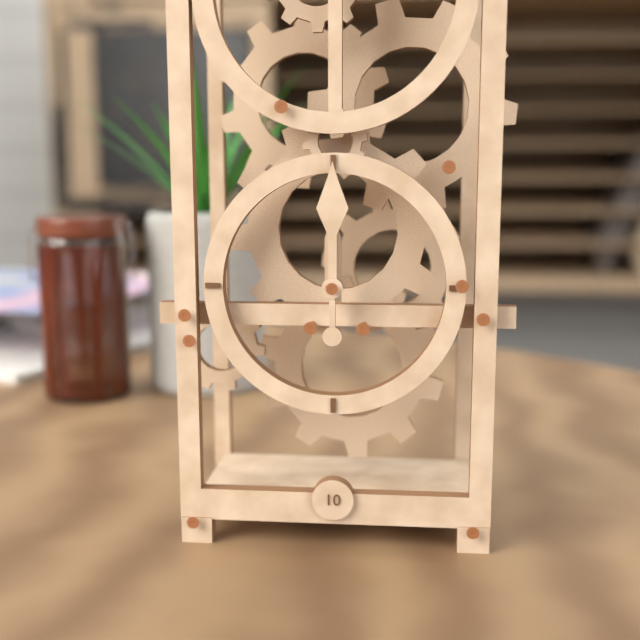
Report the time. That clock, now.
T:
12:00
